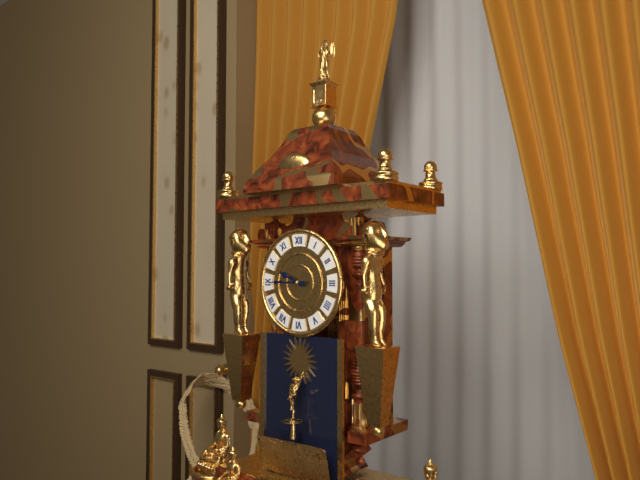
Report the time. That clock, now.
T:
9:45
